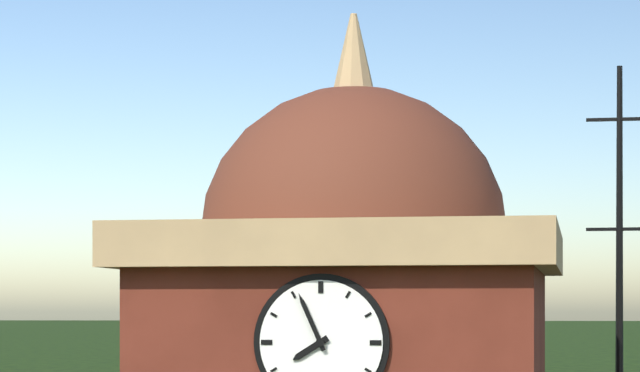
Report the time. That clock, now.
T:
7:56
